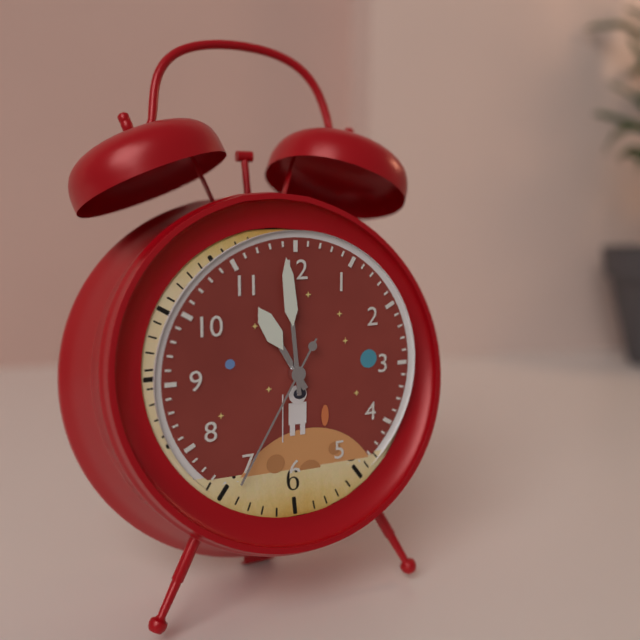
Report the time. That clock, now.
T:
10:59:35
